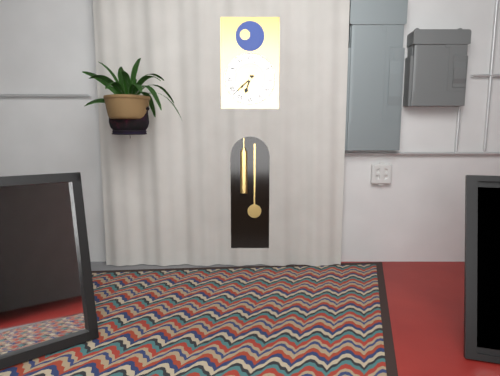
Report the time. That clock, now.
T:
6:38
